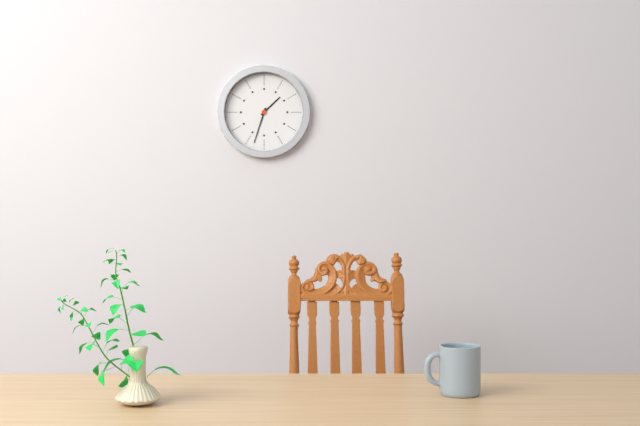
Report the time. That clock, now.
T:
1:33
